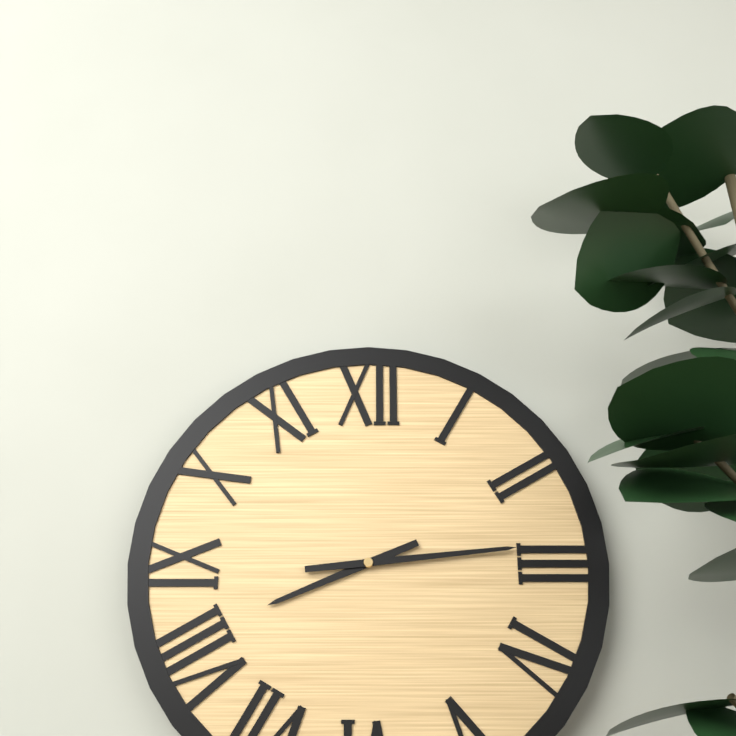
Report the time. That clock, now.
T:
8:14
